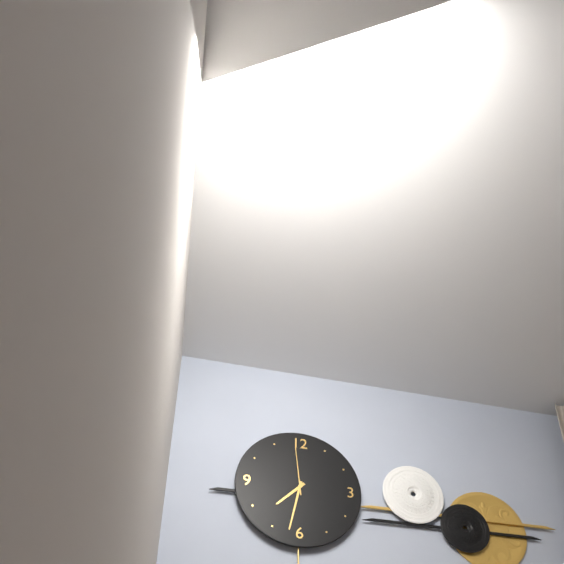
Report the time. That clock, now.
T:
7:32:59
